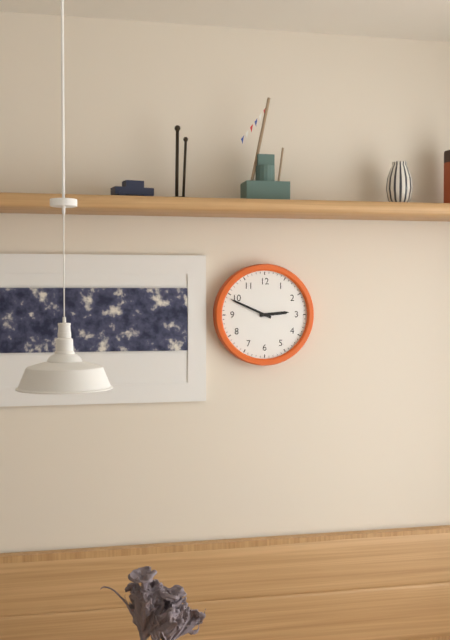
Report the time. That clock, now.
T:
2:49
